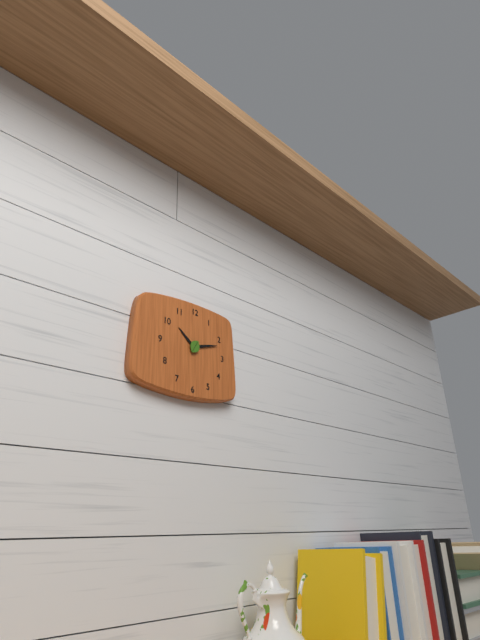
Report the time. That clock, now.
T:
10:12
